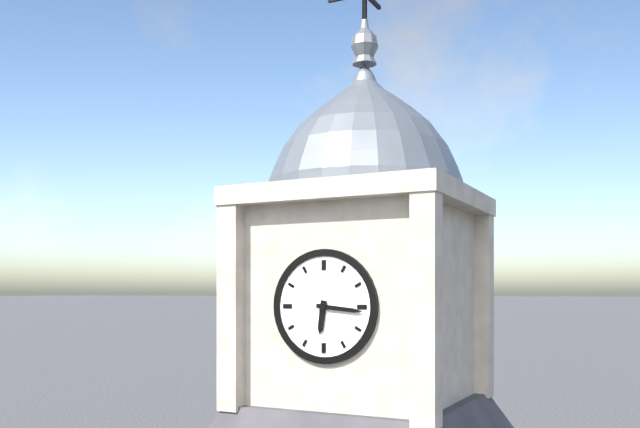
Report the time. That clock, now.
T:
6:16
